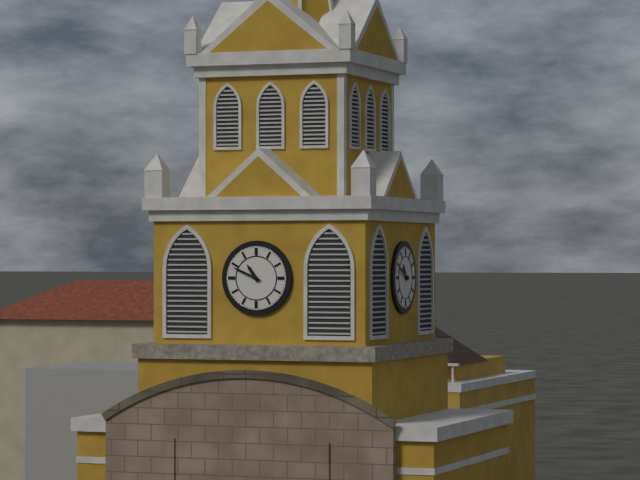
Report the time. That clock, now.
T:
10:49
